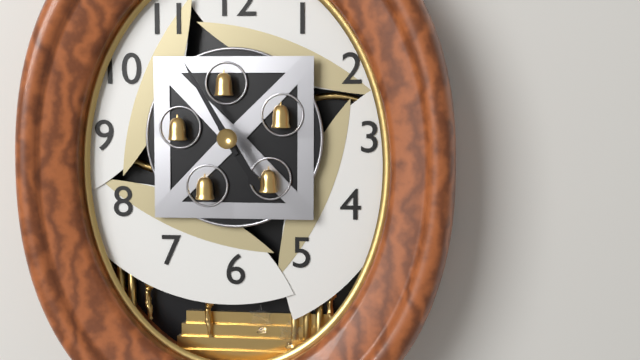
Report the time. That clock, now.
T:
4:55
